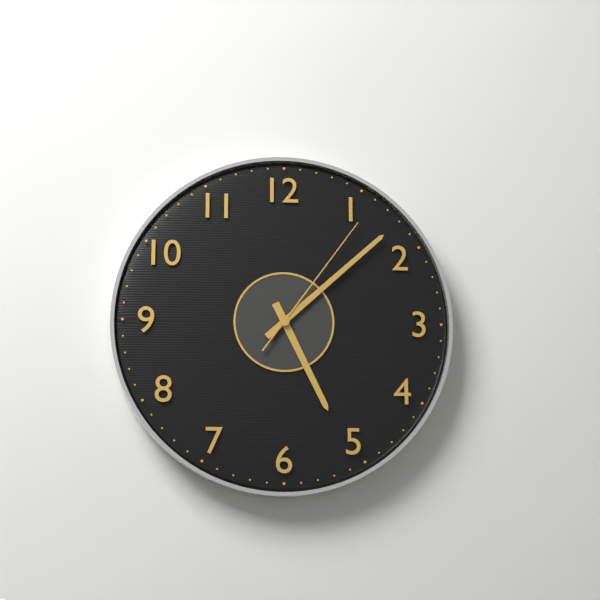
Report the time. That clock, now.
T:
5:08:06
